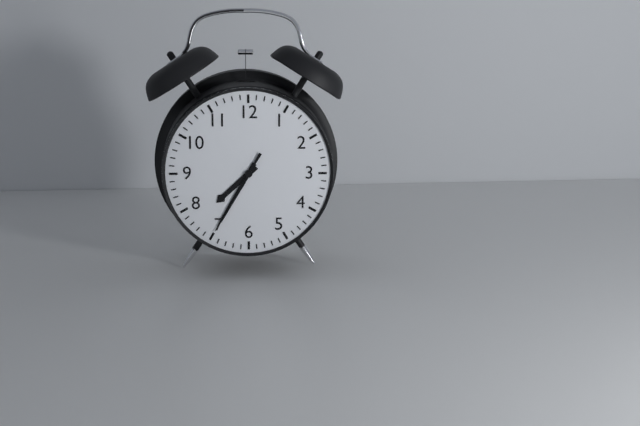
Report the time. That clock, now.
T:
7:35:35
